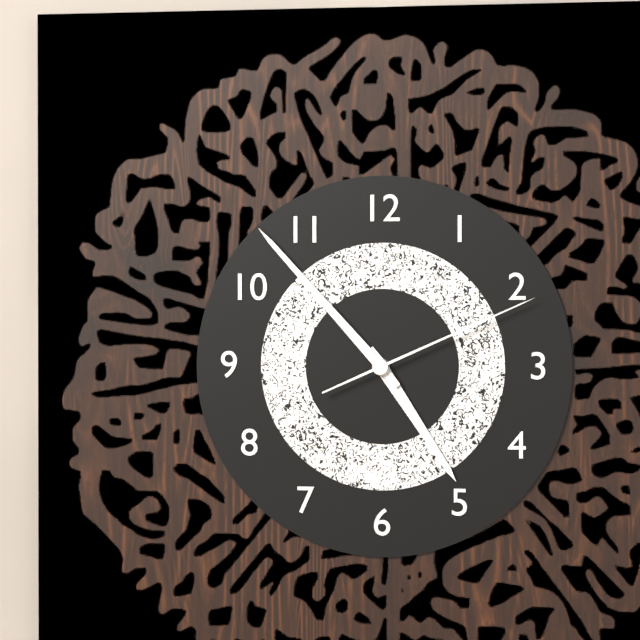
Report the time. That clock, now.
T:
4:53:11
